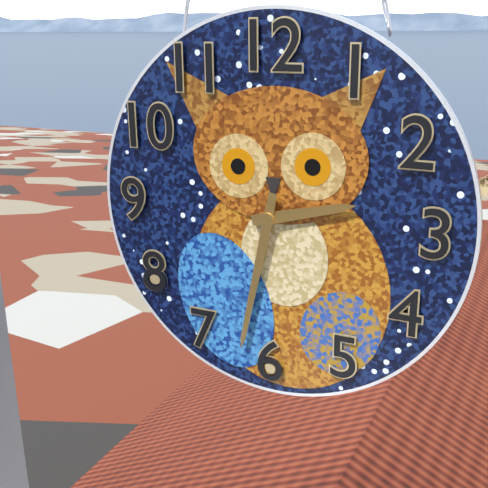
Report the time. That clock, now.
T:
2:32
